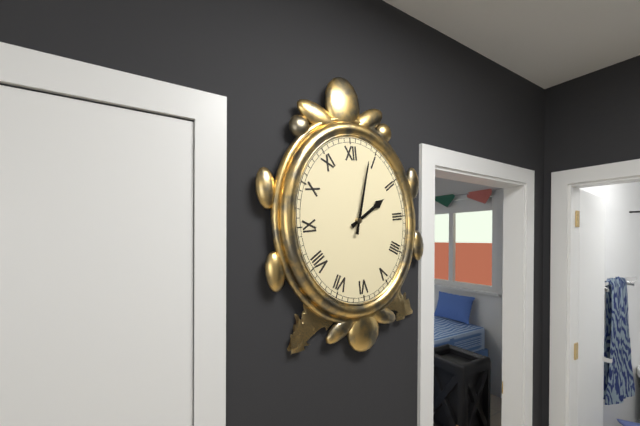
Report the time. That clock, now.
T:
2:03
